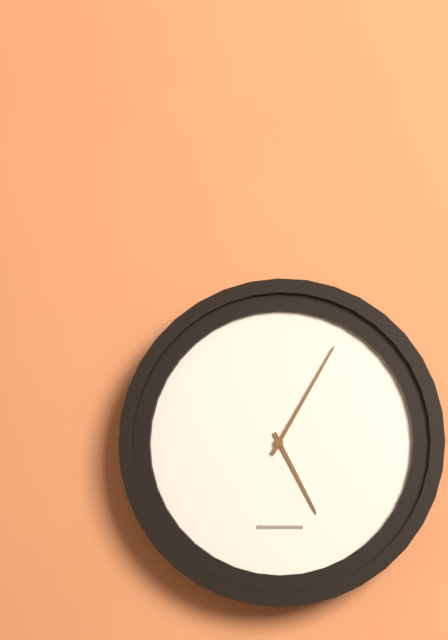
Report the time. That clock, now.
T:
5:05
